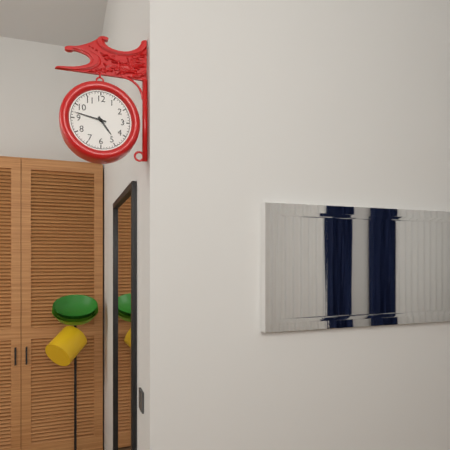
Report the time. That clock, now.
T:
4:47
